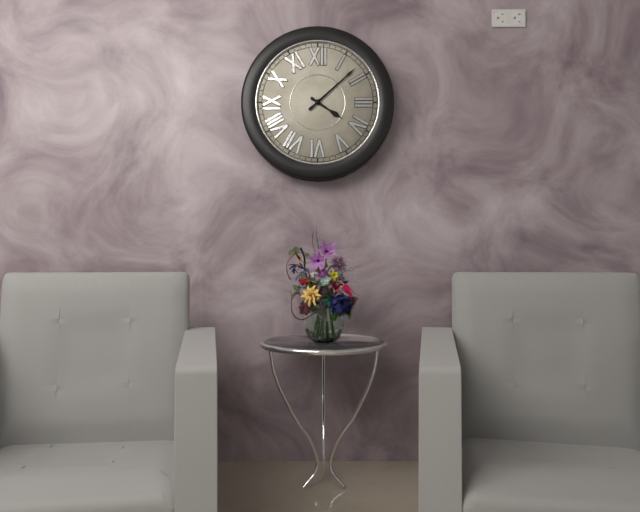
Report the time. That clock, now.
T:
4:08
